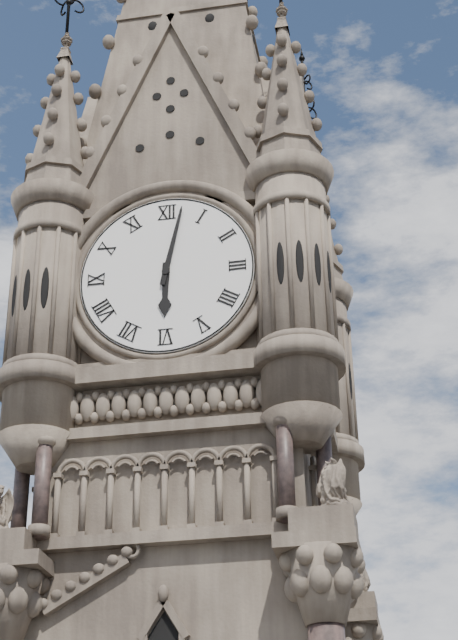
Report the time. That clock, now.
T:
6:02
